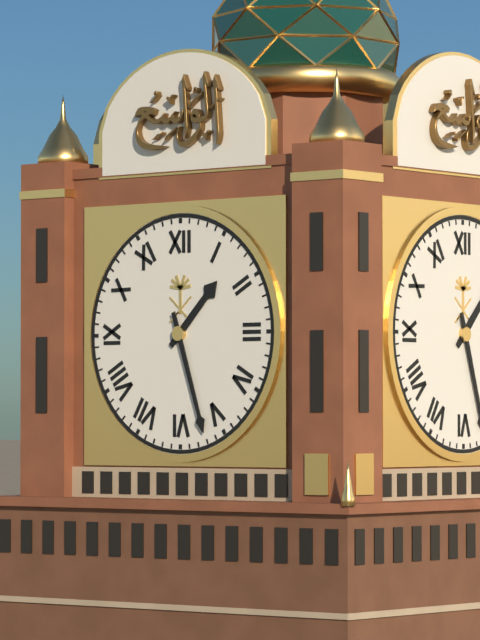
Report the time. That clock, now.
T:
1:27
